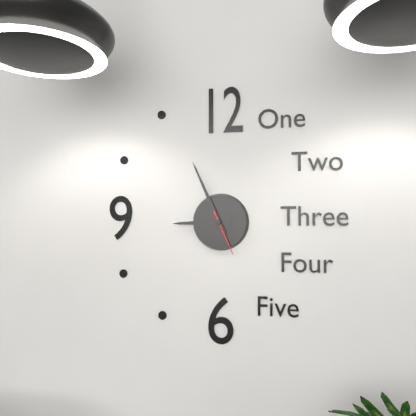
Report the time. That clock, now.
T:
8:56
